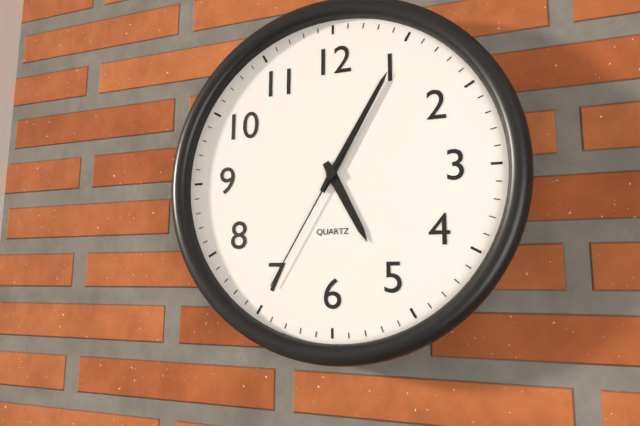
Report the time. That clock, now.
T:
5:05:35
